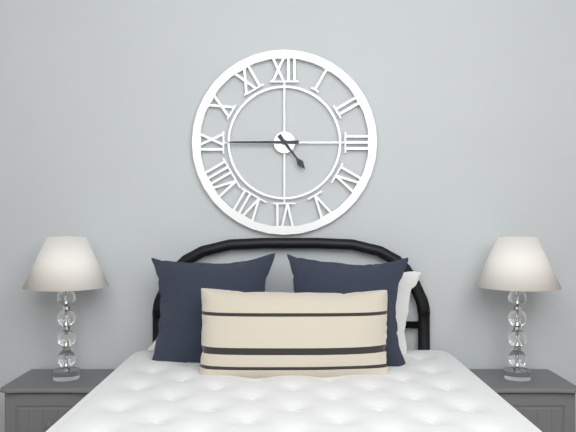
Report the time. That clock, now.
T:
4:45
